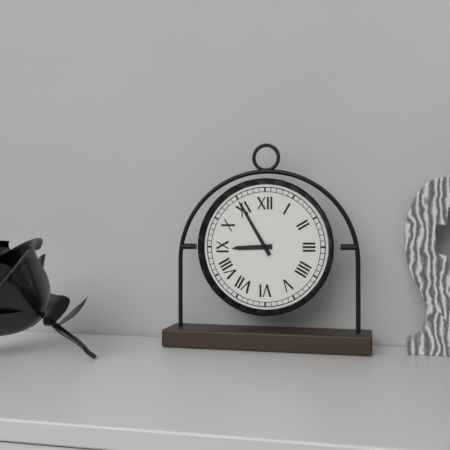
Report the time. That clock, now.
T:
8:55
